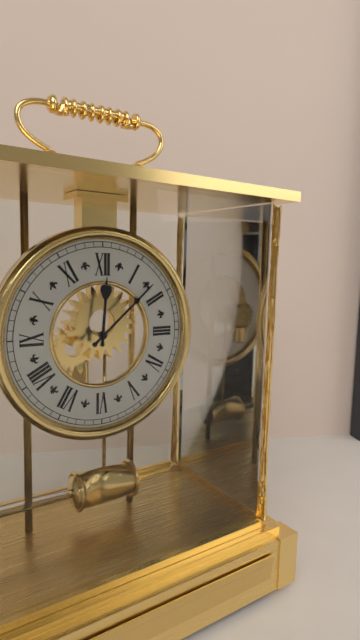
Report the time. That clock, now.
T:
12:08
